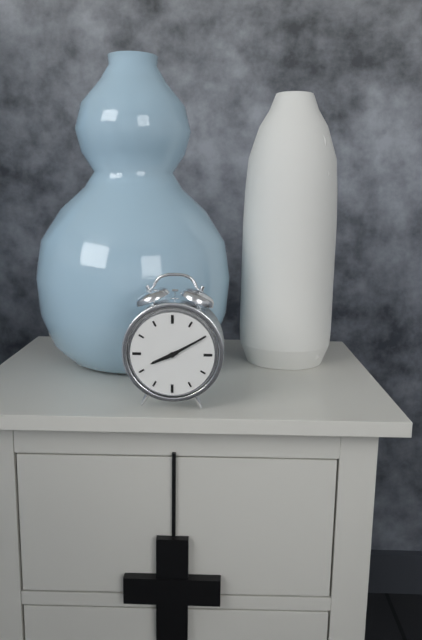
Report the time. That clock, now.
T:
8:10
